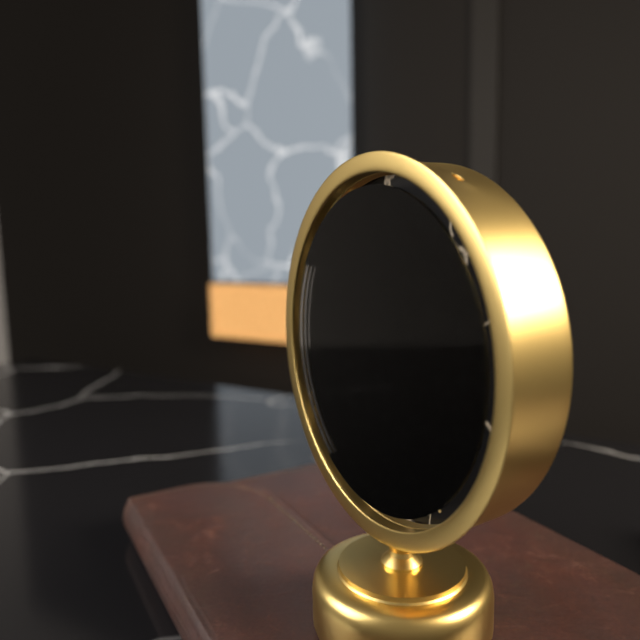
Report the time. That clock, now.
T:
9:42:51
